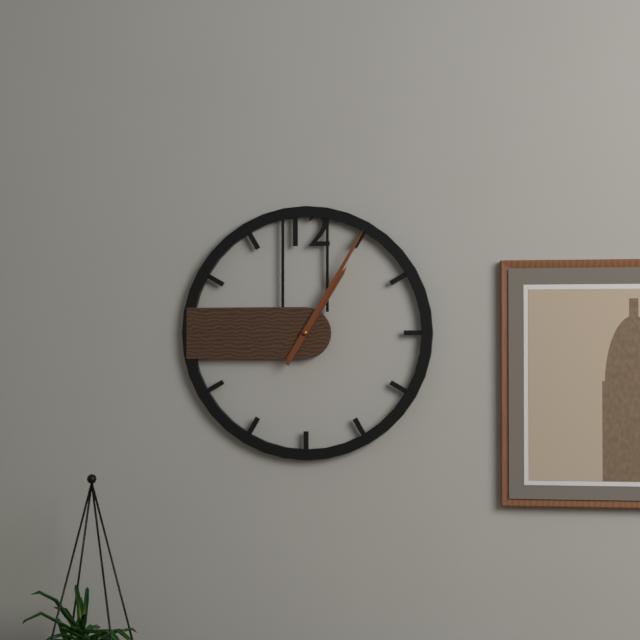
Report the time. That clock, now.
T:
1:05
